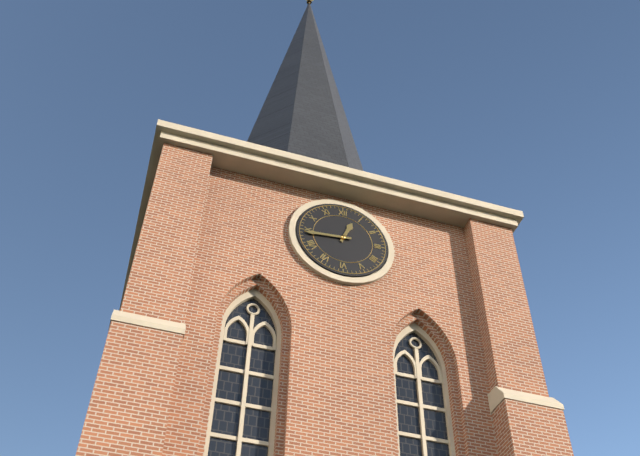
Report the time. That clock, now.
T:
12:44
